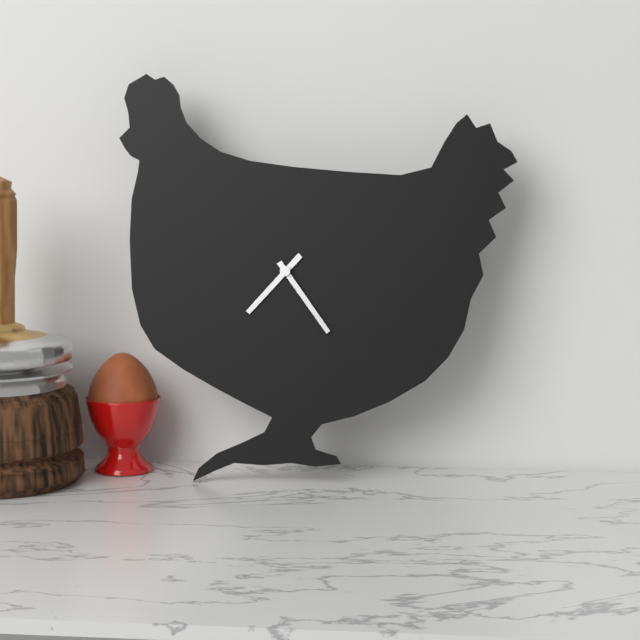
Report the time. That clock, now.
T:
7:24
